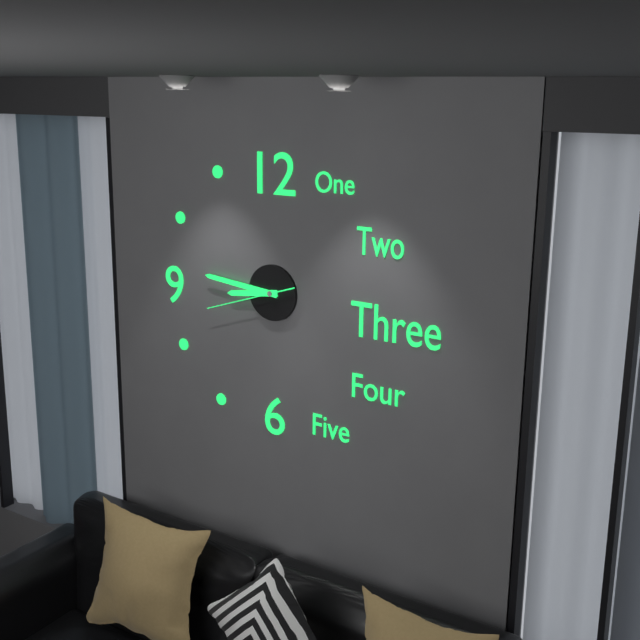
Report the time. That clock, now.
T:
8:46:42
